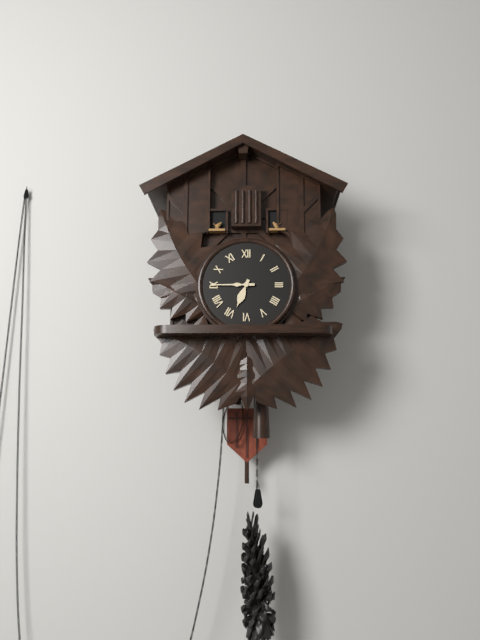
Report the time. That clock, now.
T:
6:45
